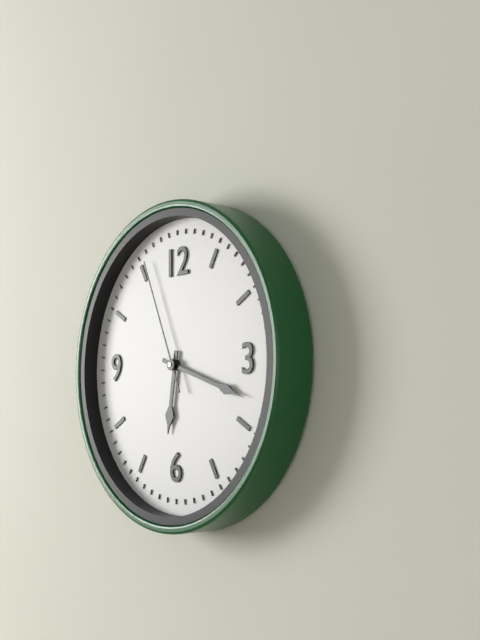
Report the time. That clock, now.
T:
6:18:56
